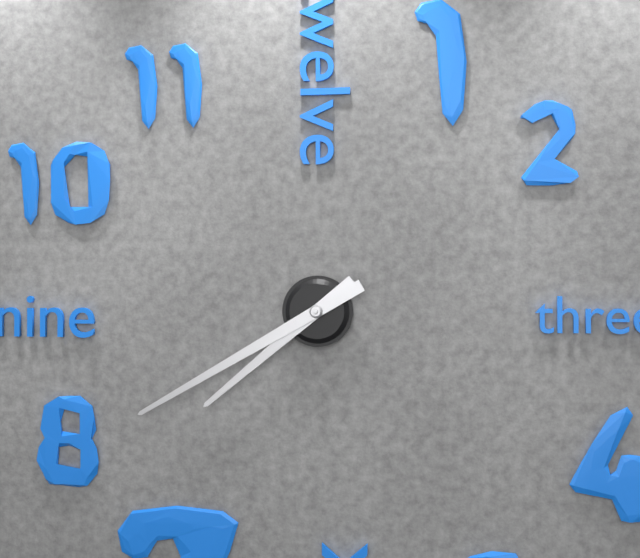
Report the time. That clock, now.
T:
7:40
